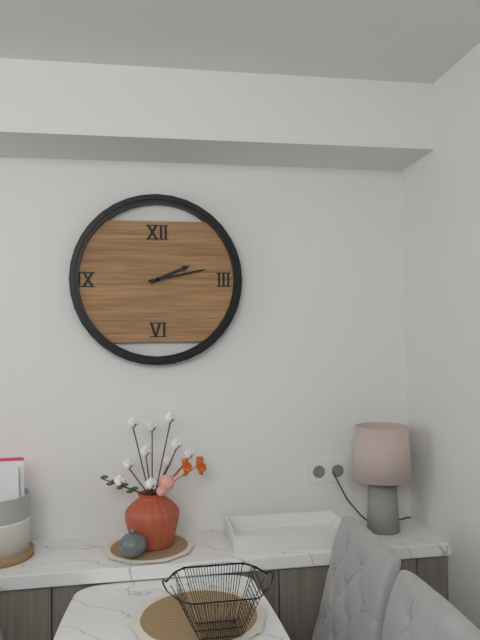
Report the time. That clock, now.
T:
2:13
